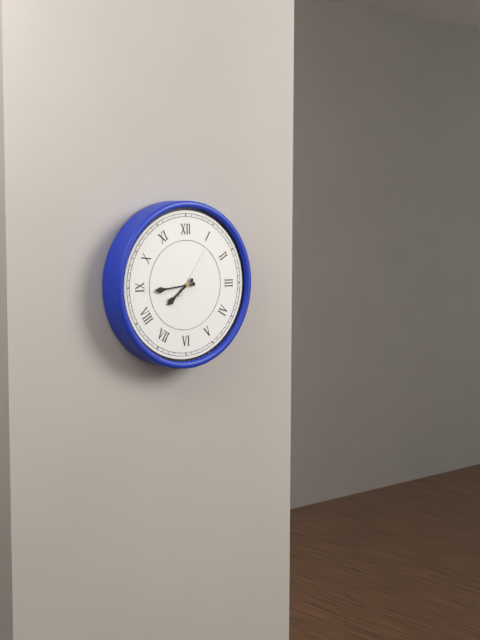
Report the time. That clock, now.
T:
7:44:06
